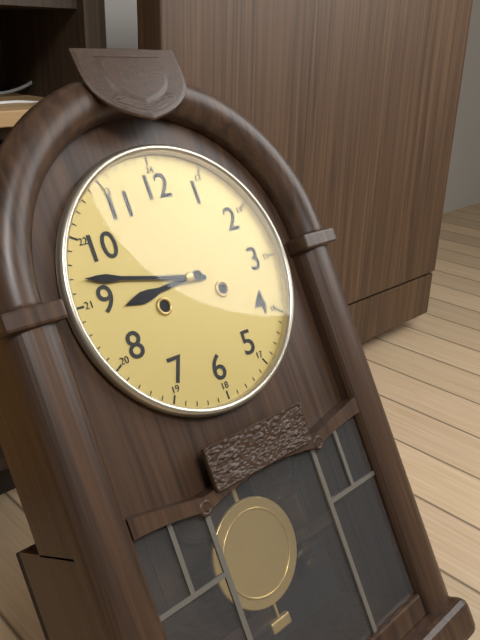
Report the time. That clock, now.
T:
8:47
